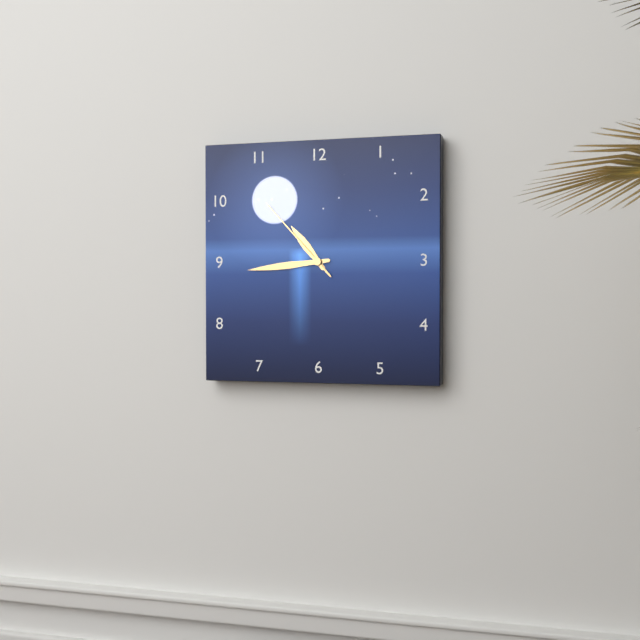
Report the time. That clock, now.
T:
10:44:53
